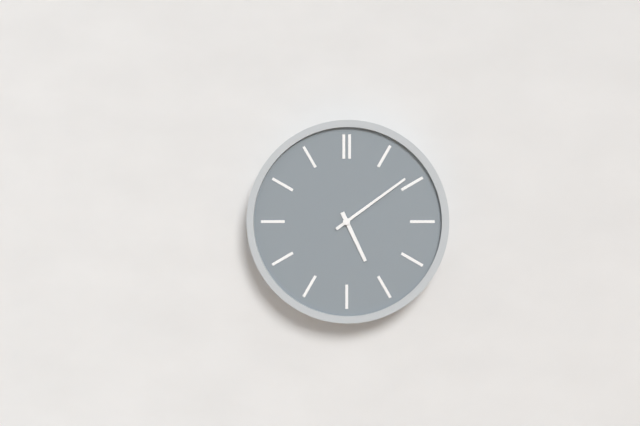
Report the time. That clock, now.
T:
5:09
